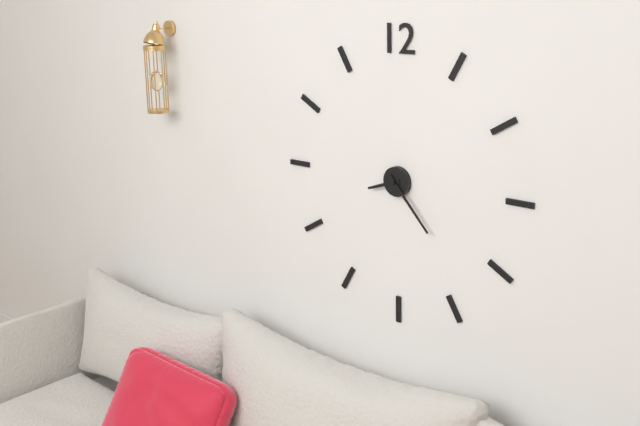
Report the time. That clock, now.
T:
8:23
